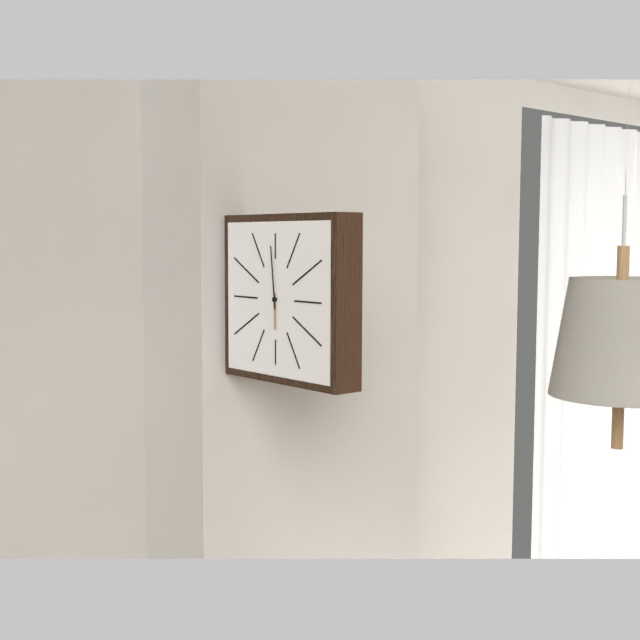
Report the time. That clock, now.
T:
5:59
